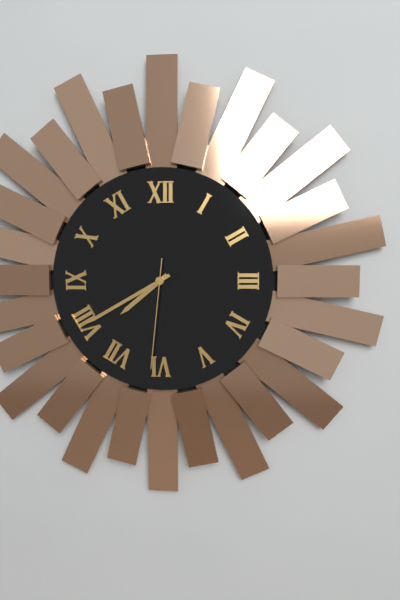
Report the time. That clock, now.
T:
7:40:31
